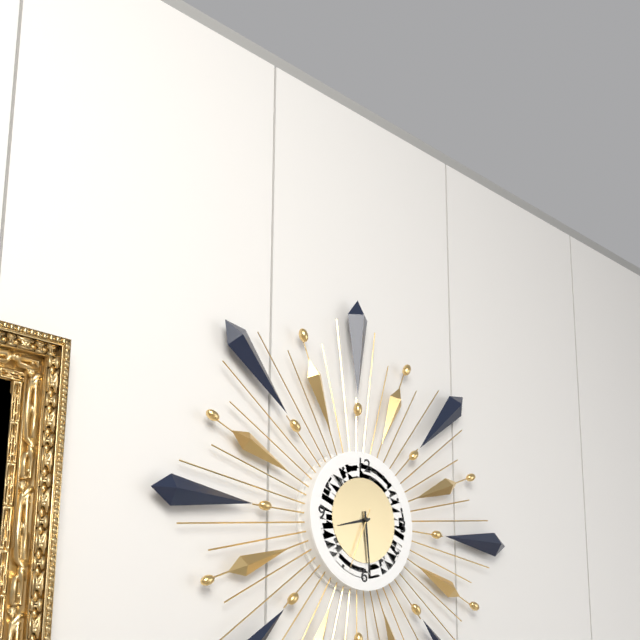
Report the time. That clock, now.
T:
8:29:34
